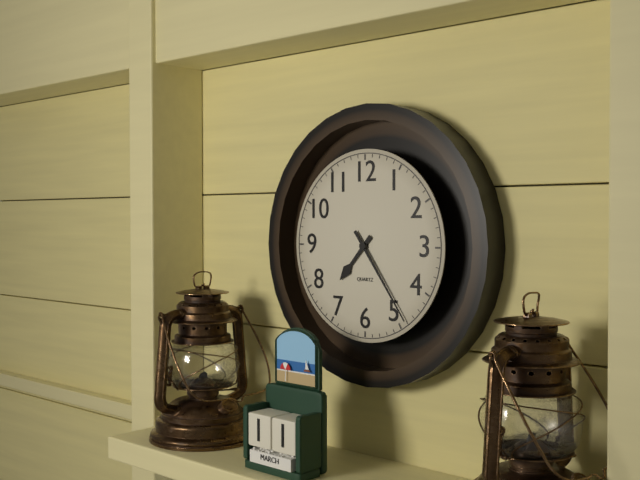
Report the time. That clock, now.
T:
7:24
